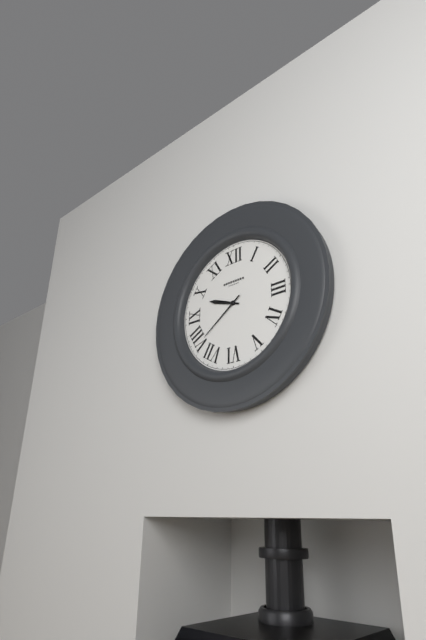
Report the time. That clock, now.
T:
9:39
